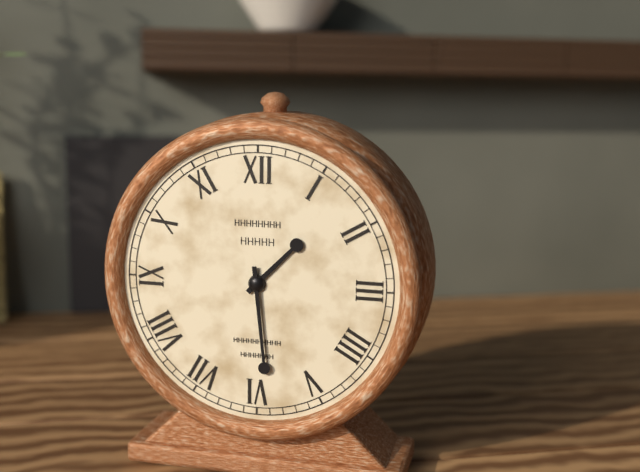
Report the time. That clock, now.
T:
1:29
